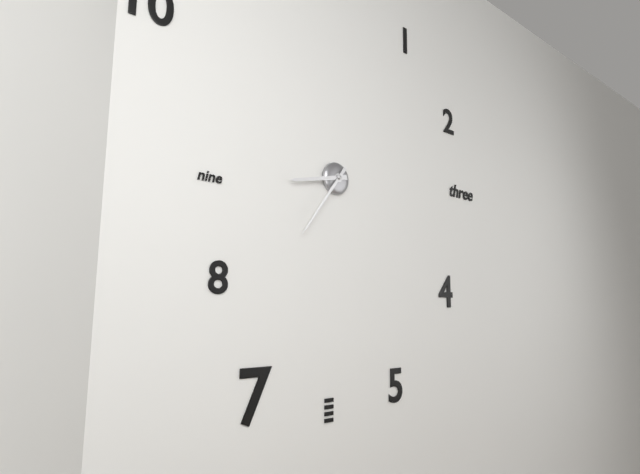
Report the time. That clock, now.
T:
8:36
